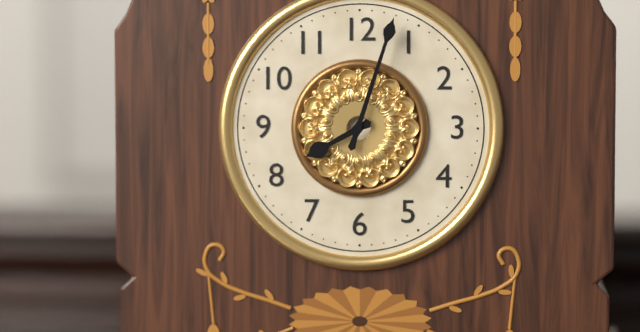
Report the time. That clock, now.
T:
8:03
